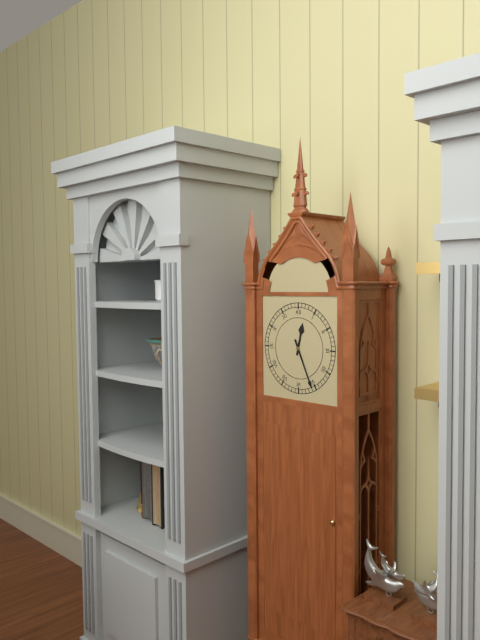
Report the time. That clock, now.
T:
12:26
